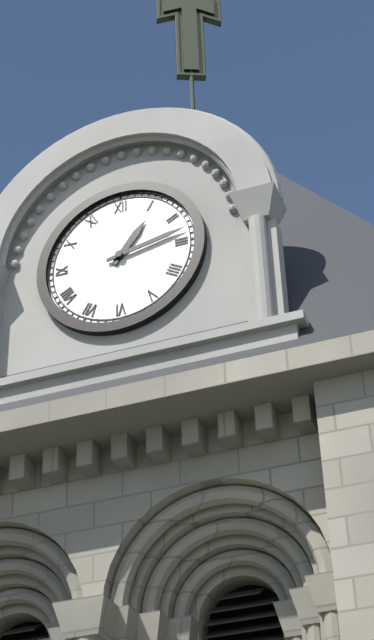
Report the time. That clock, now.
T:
1:13
